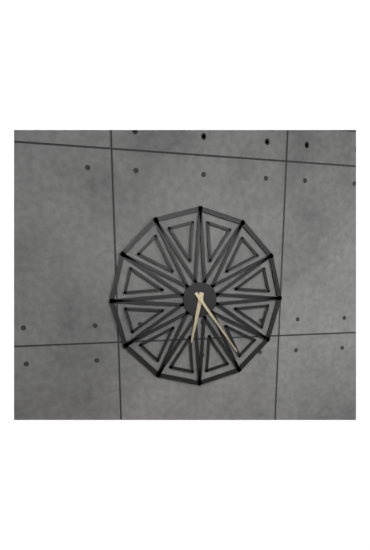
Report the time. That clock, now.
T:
6:24
